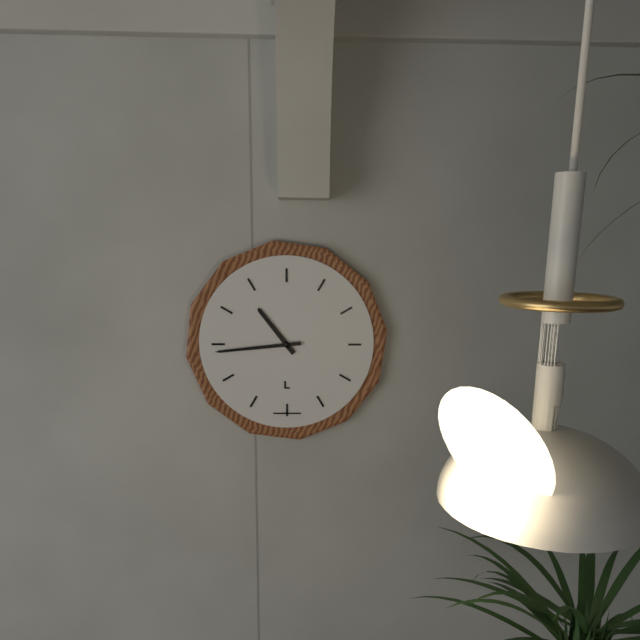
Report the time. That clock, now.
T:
10:44
